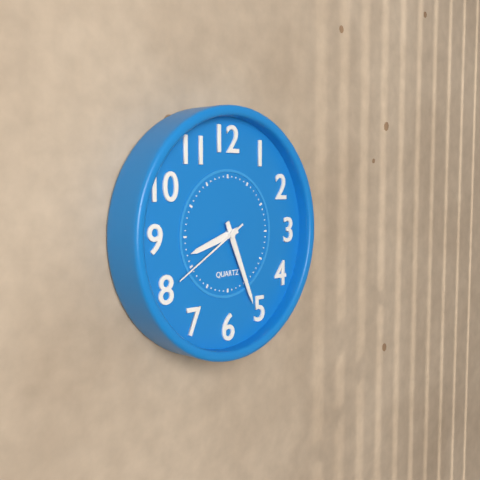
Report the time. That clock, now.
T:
8:26:40
